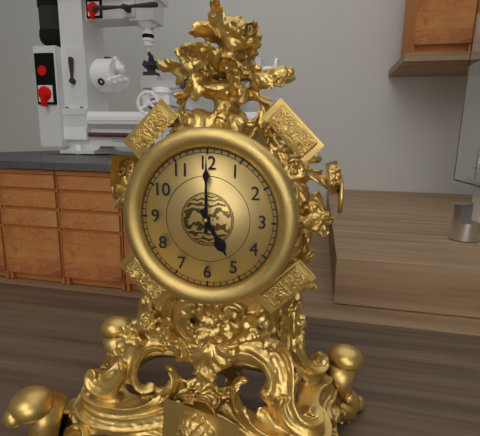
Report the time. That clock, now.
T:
5:00
